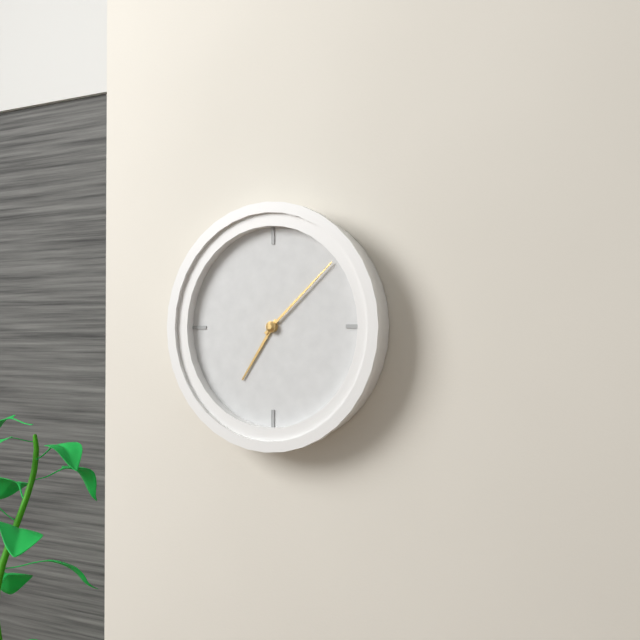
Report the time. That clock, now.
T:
7:08
